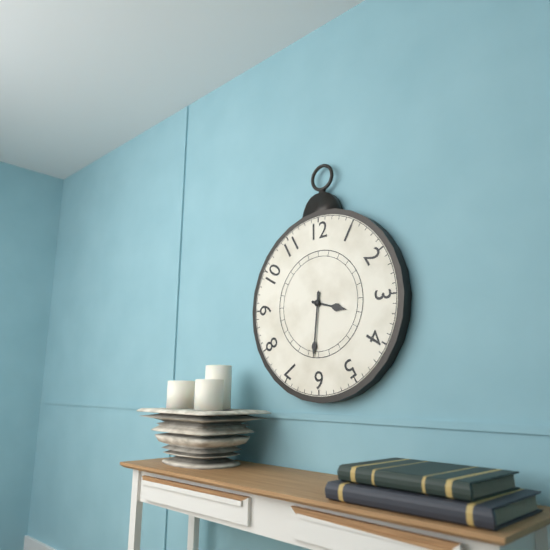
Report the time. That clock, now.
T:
3:31
